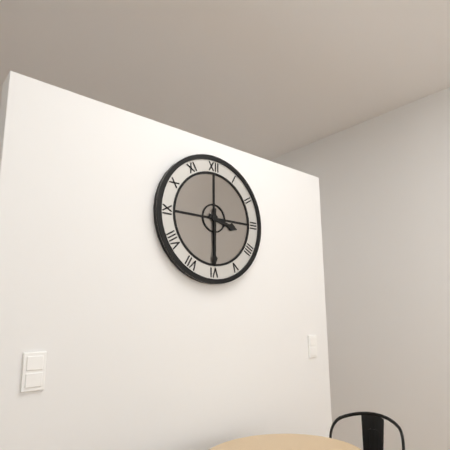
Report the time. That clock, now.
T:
3:30
